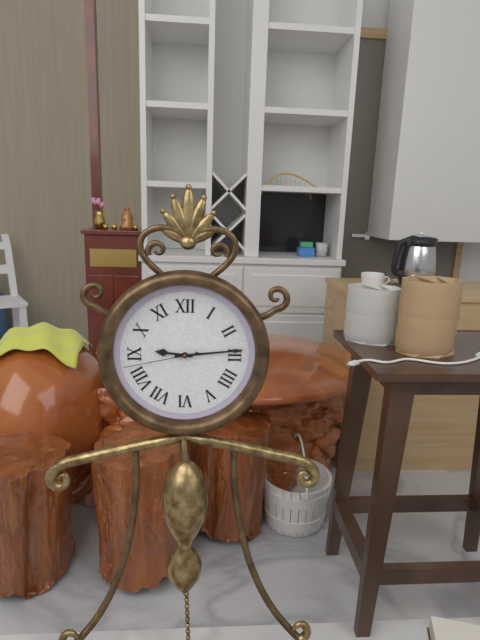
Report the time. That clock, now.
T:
9:14:43
